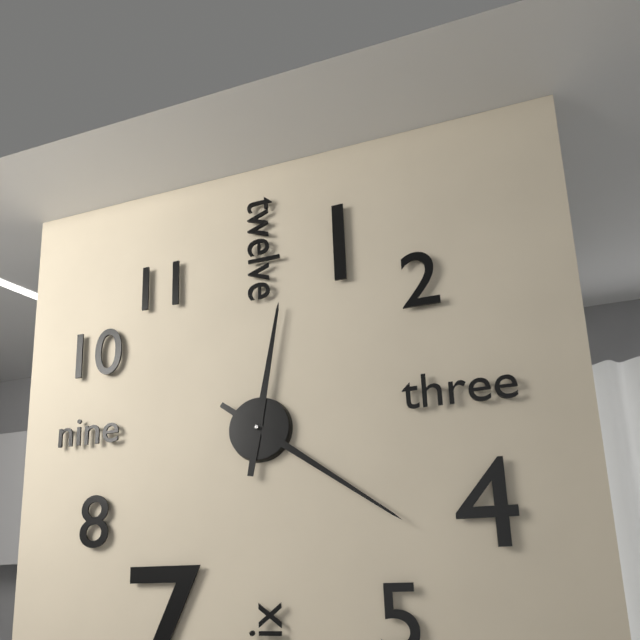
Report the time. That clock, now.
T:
12:21
